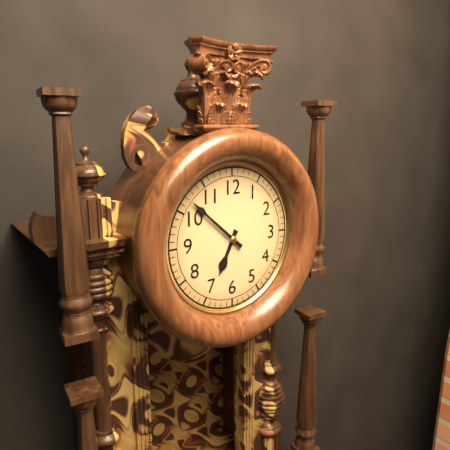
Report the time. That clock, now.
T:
6:52
